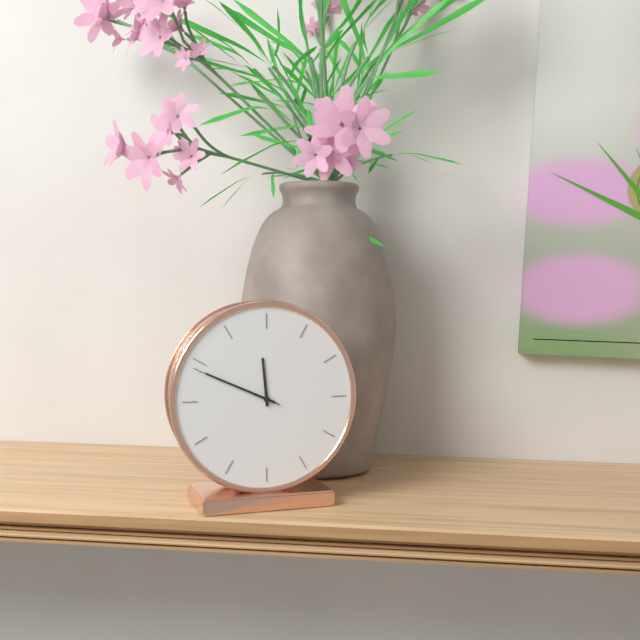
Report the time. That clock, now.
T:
11:49:49
